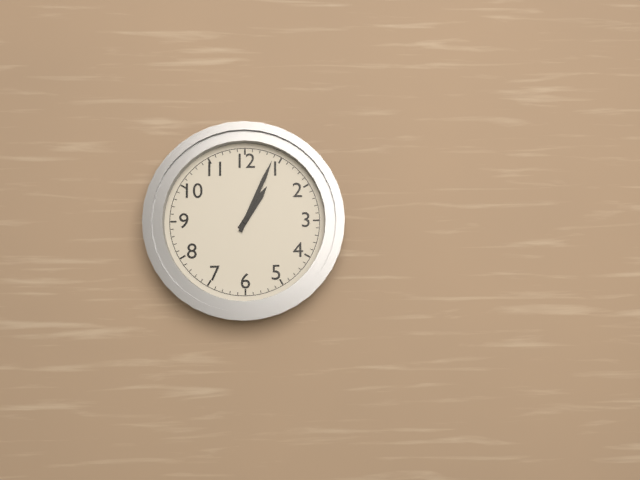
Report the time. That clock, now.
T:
1:04
